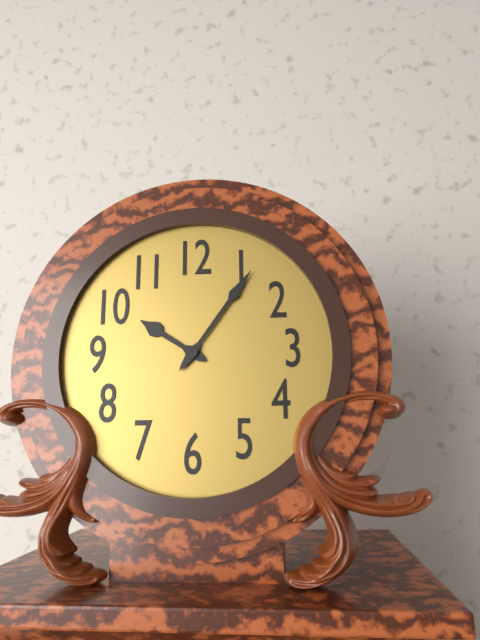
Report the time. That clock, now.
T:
10:06
